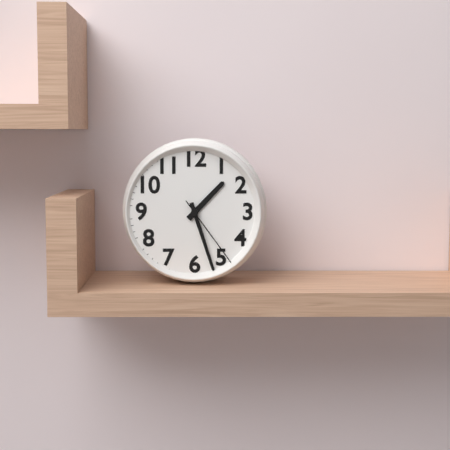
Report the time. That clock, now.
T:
1:27:24
